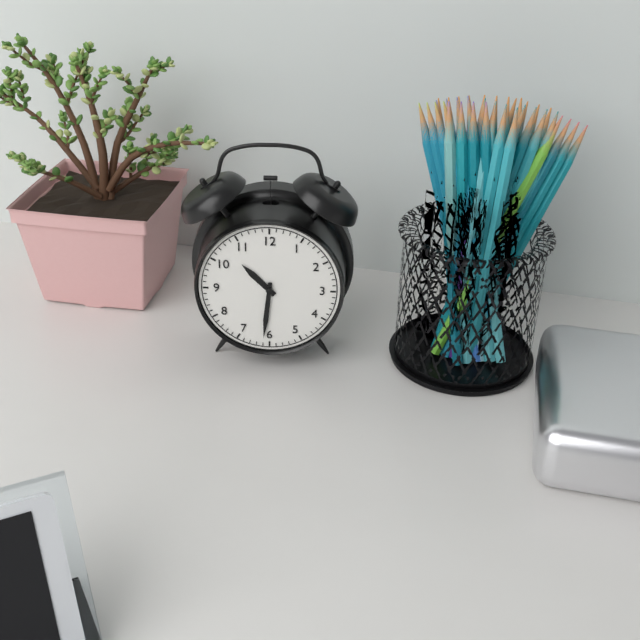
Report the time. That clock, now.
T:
10:31
